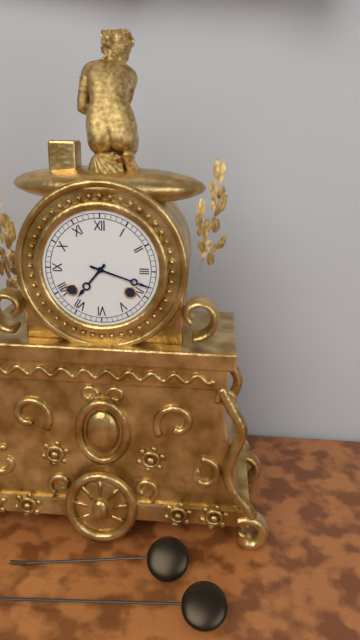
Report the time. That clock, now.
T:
7:18
